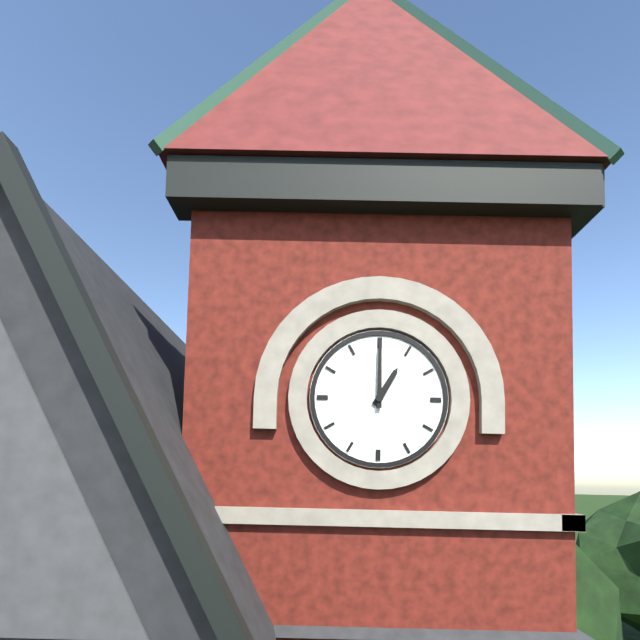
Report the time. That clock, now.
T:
1:00
